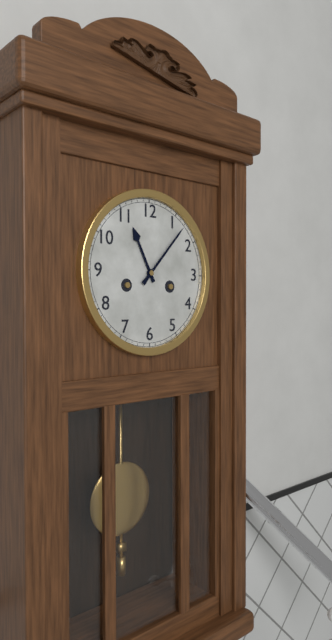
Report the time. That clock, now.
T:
11:07
